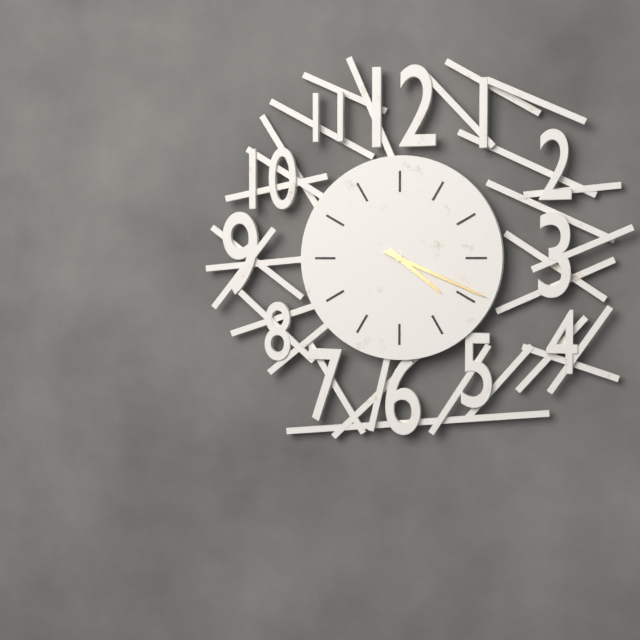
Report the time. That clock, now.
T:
4:19
